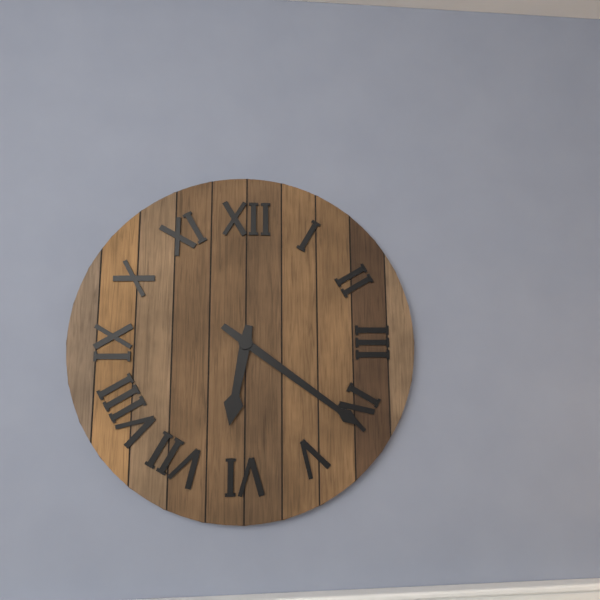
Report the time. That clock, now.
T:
6:21
